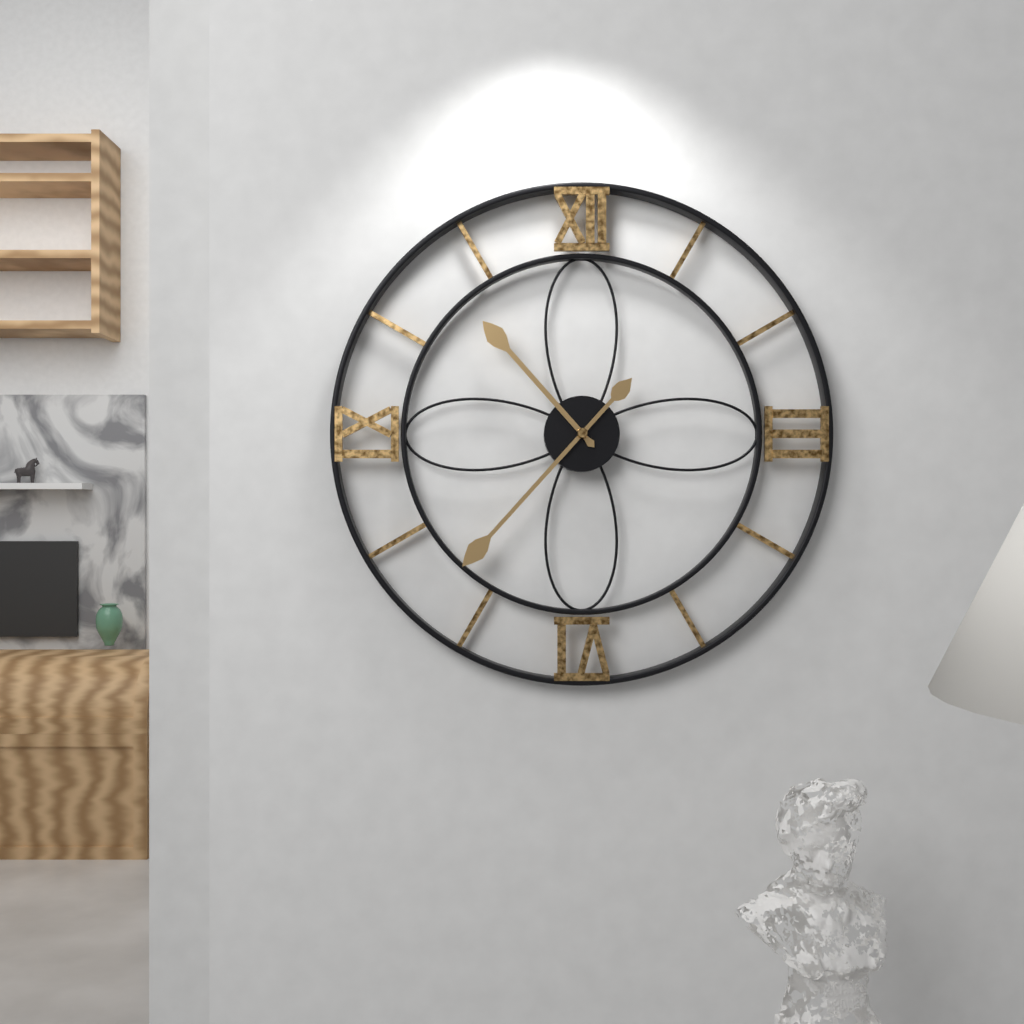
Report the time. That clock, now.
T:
10:37
